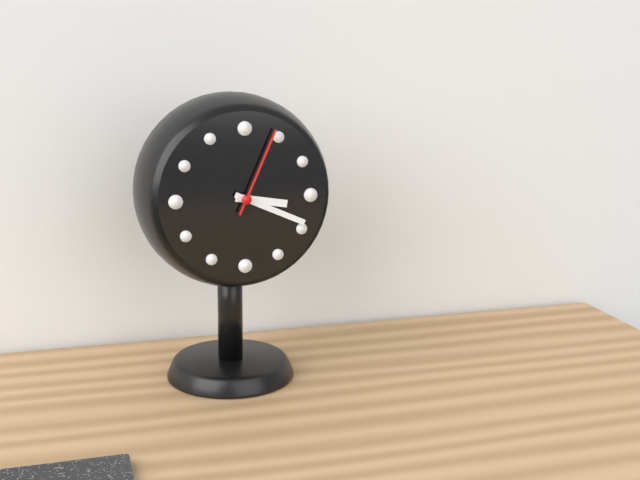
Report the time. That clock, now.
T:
3:19:04
